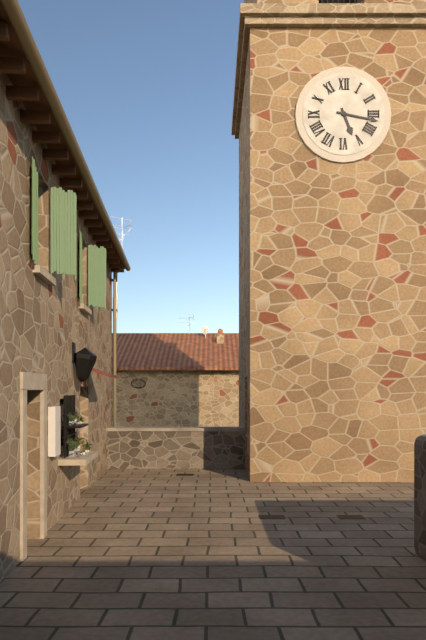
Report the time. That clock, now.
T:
5:17
